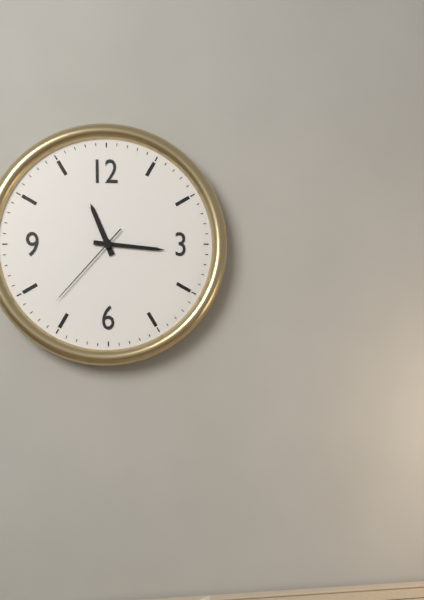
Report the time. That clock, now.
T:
11:16:37
